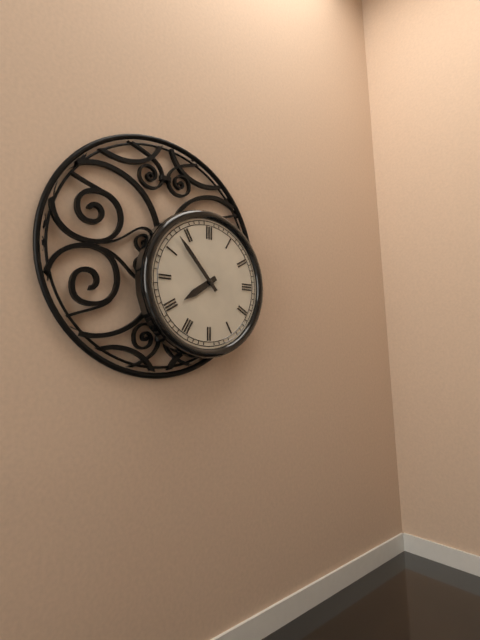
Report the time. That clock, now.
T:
7:53
